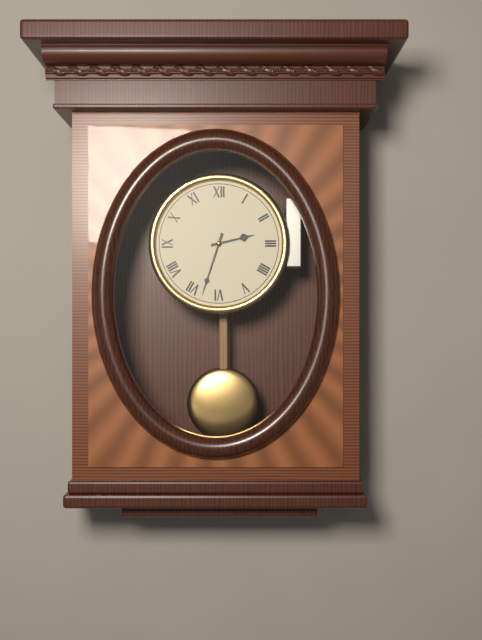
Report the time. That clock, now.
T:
2:33
